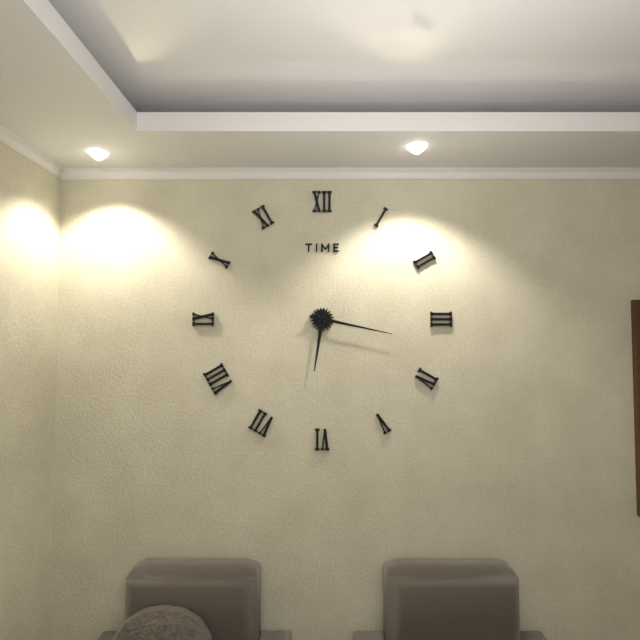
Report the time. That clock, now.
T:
6:17
